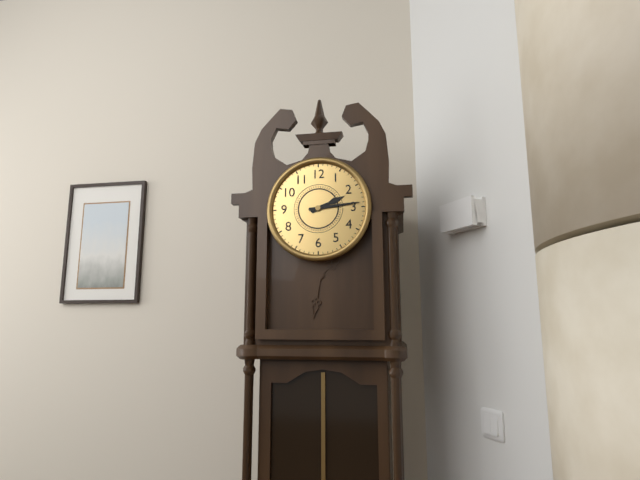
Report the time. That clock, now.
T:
2:14
